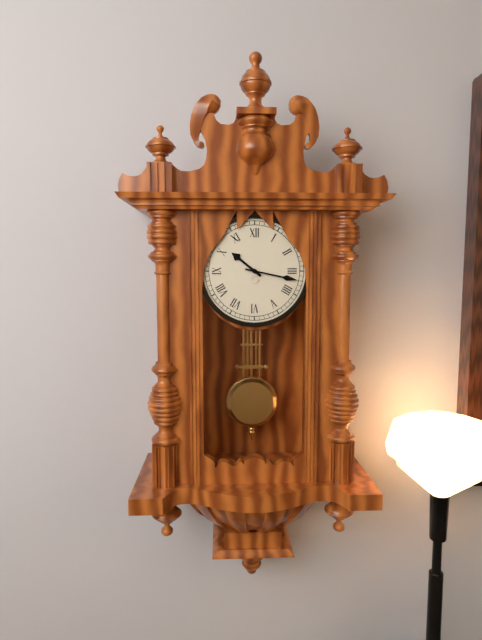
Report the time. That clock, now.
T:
10:17
